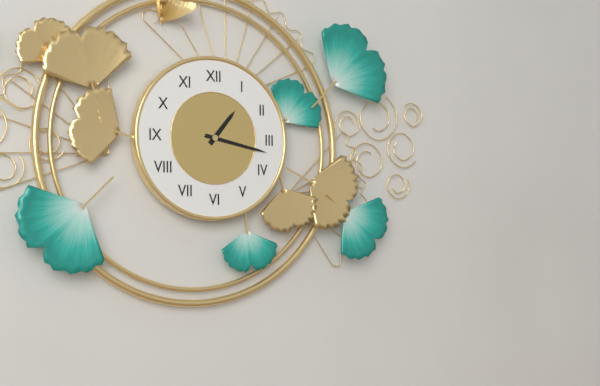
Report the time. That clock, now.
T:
1:17
